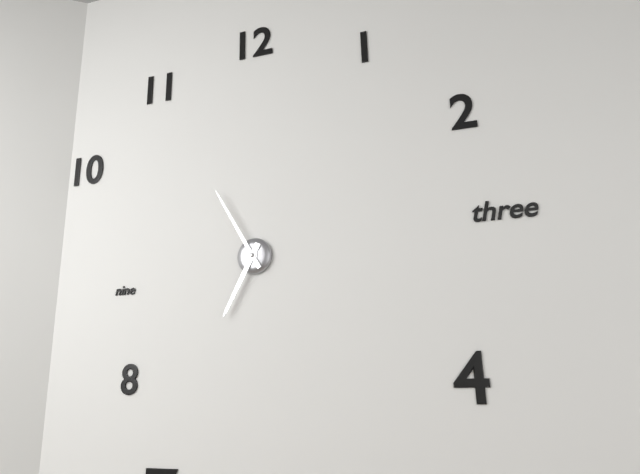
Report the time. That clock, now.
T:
6:55
